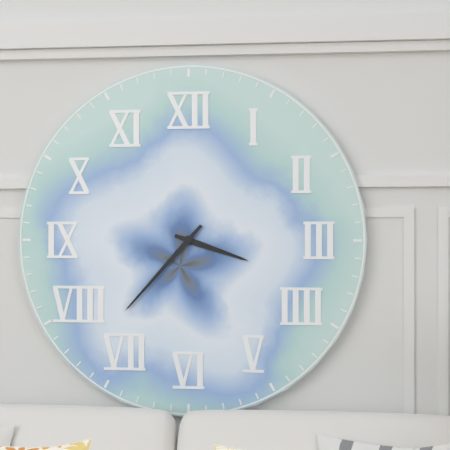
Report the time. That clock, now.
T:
3:37
